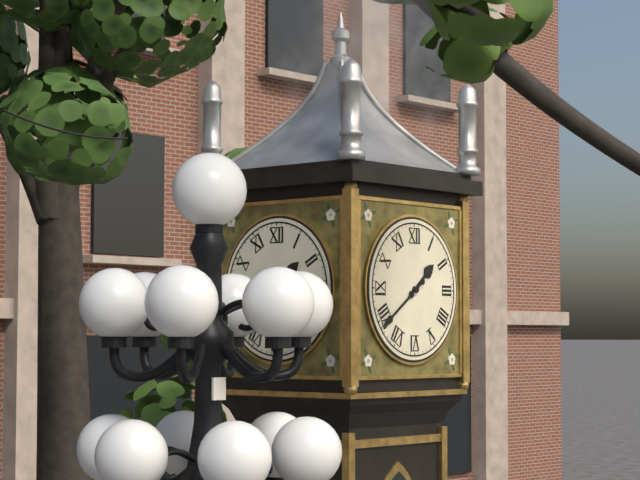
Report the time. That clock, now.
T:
1:39
